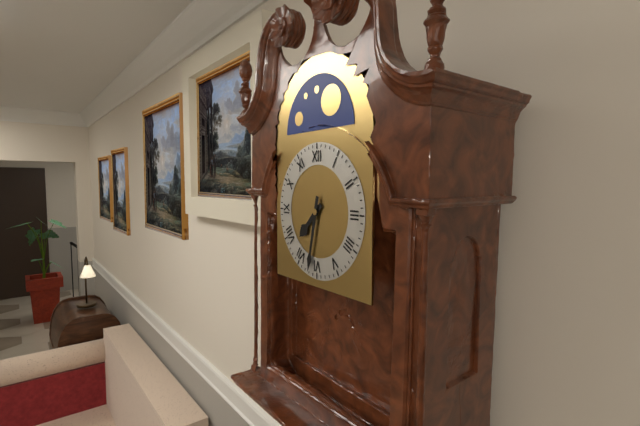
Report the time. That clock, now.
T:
7:32
